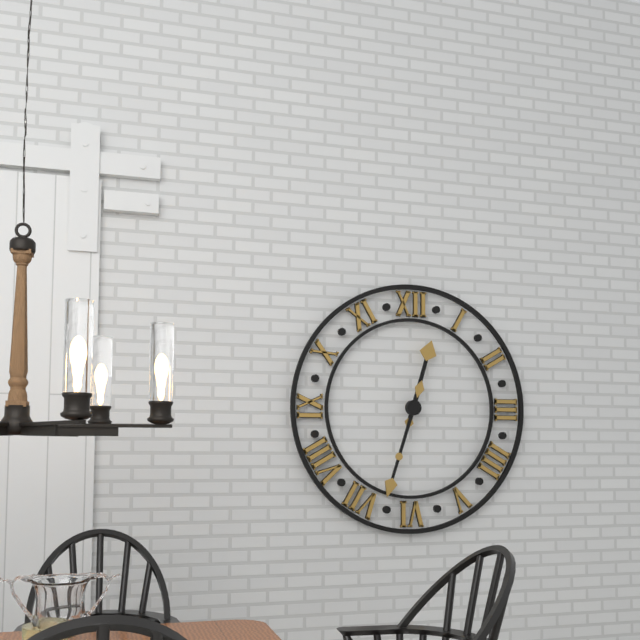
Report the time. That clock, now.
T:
12:33
